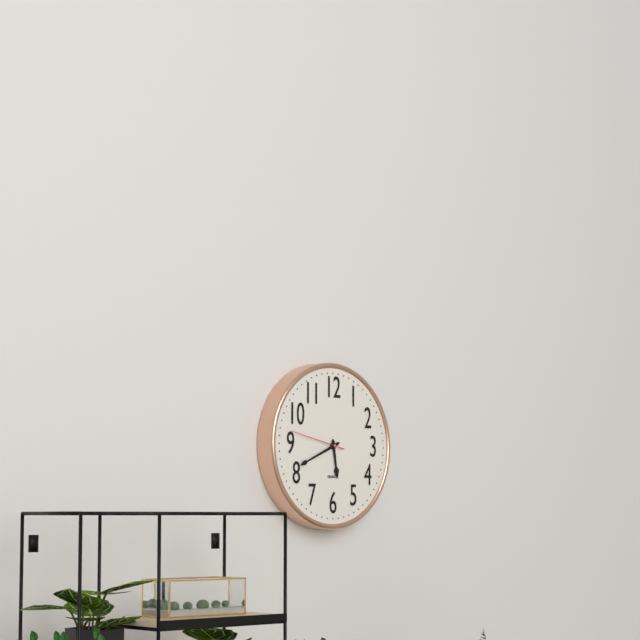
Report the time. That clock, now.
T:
5:41:47
